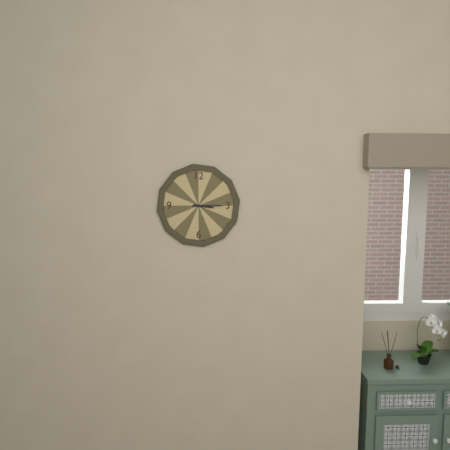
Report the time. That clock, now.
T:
3:15
